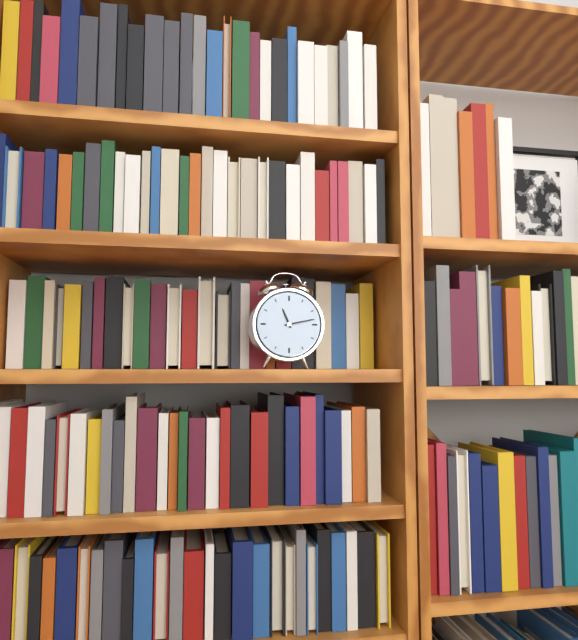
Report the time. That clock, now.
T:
11:13
